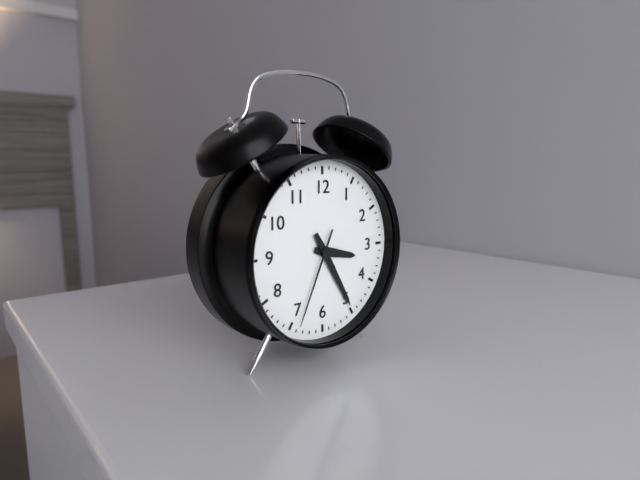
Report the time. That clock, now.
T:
3:25:34
